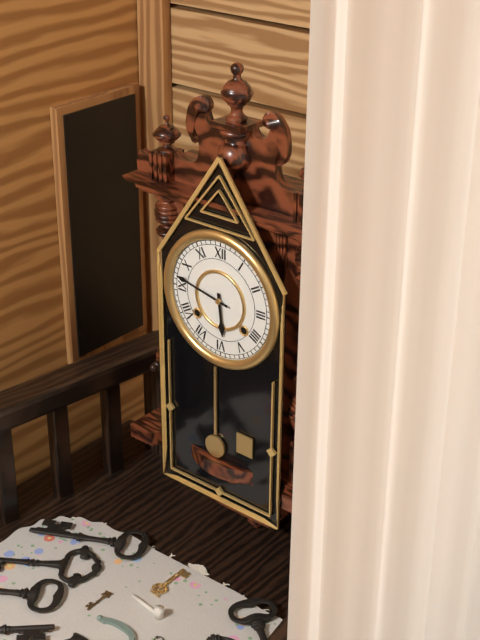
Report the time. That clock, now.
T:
5:47
